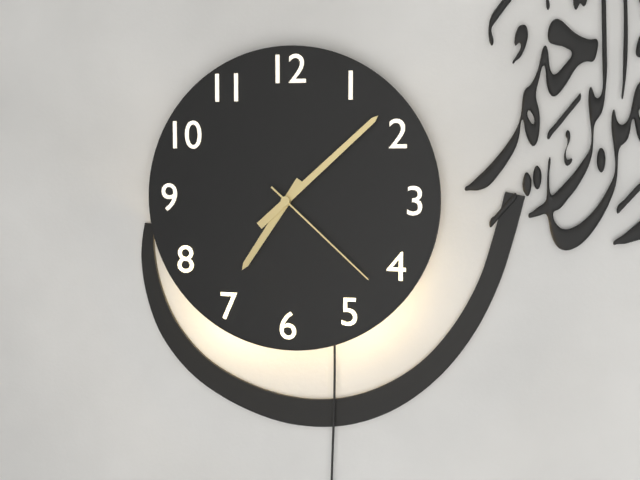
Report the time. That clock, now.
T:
7:08:22
